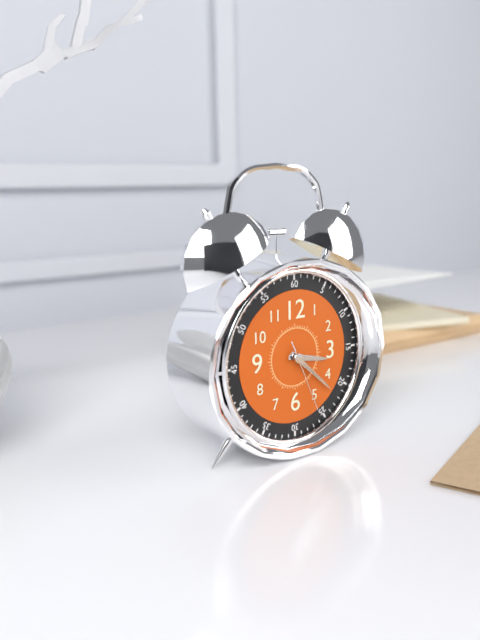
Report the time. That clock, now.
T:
3:22:26
